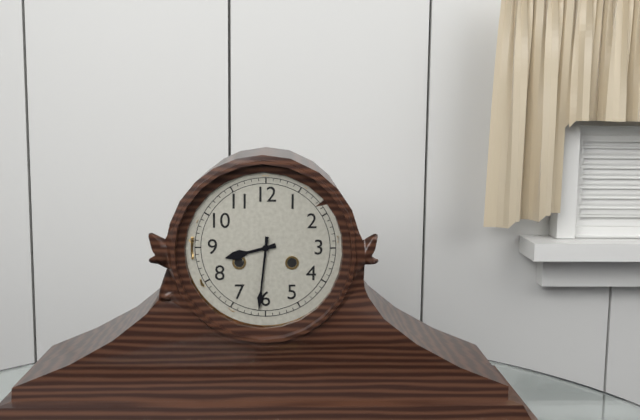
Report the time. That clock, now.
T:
8:31
